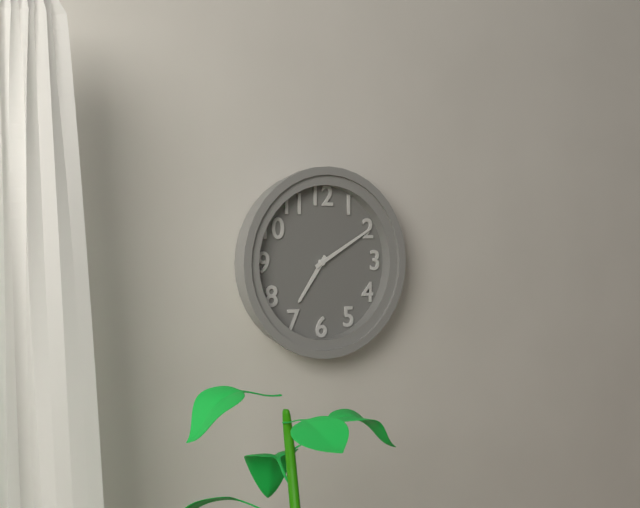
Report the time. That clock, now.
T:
7:10
